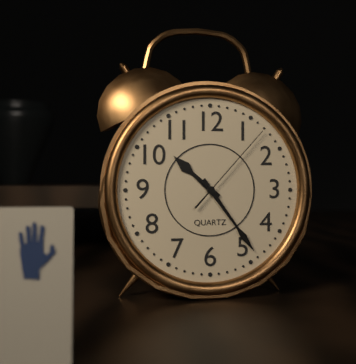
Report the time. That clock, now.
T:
10:24:07
